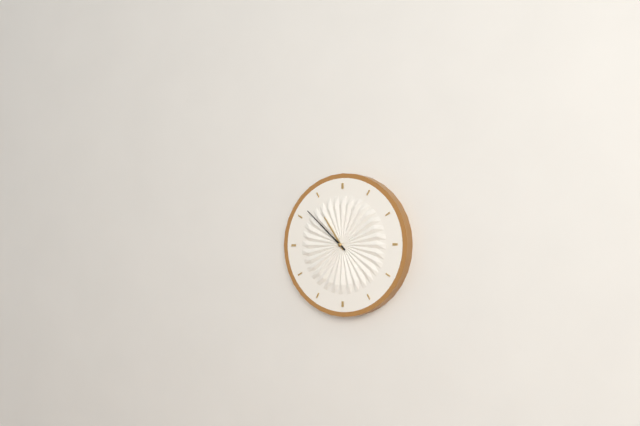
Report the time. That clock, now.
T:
10:52
